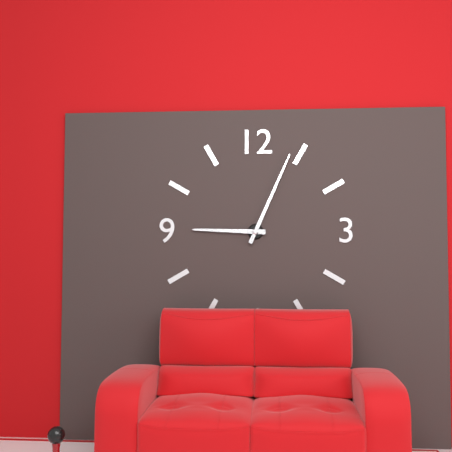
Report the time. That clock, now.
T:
9:04
